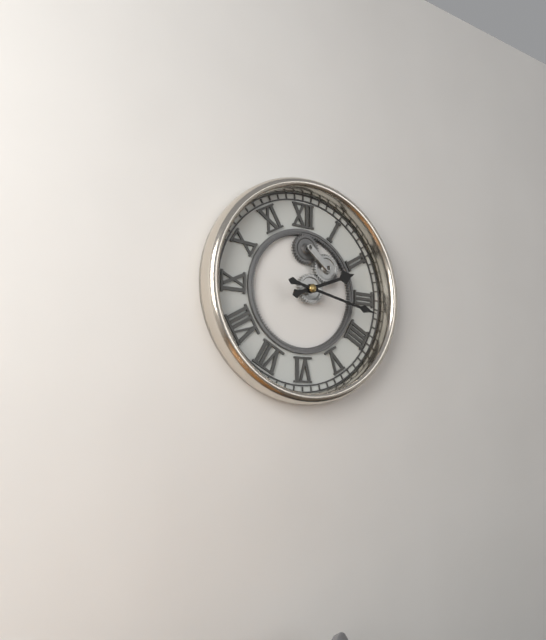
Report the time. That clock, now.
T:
2:17
